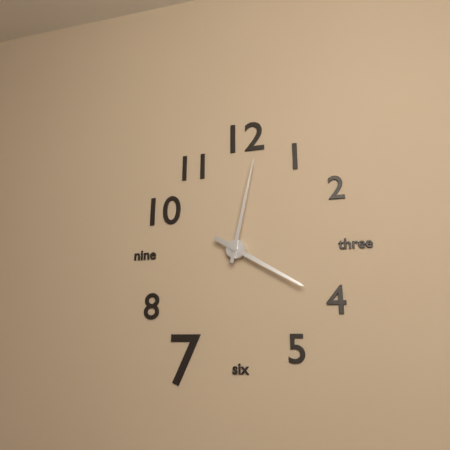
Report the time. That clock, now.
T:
4:02
